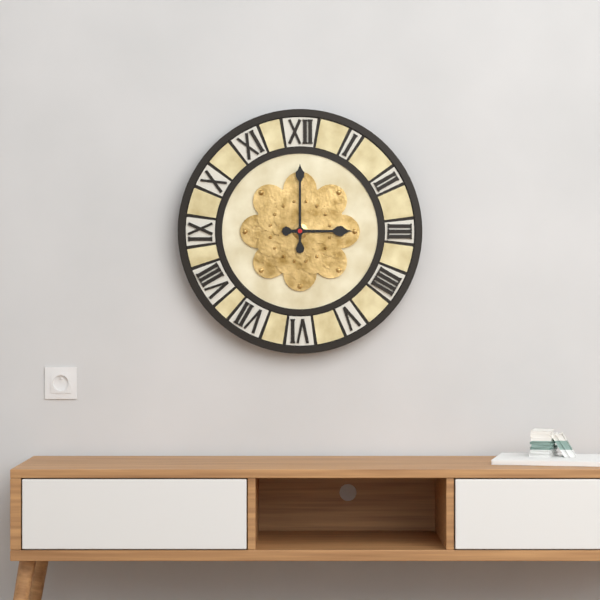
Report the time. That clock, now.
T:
3:00
